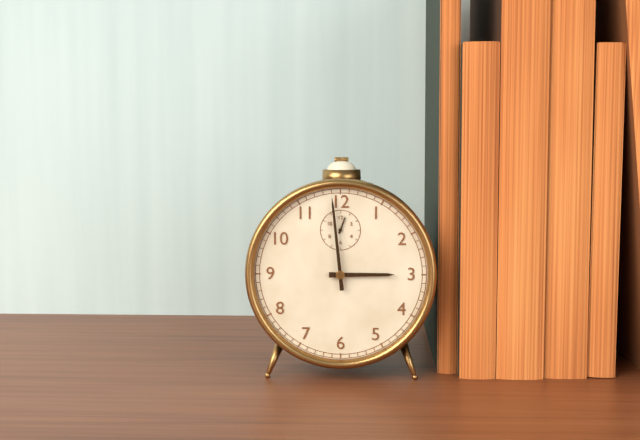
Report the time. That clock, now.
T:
2:59
